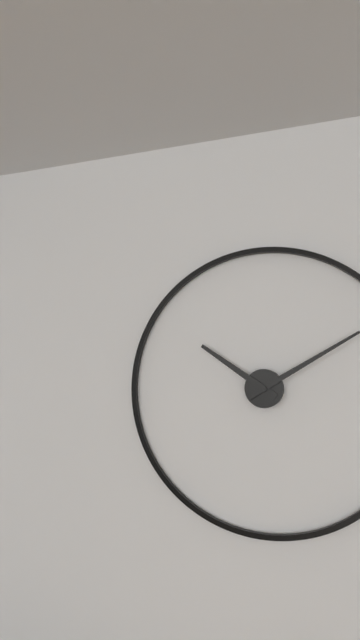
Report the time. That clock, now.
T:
10:10
